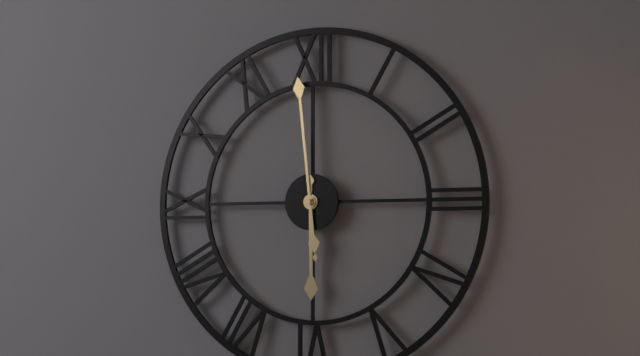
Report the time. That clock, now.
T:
5:59
